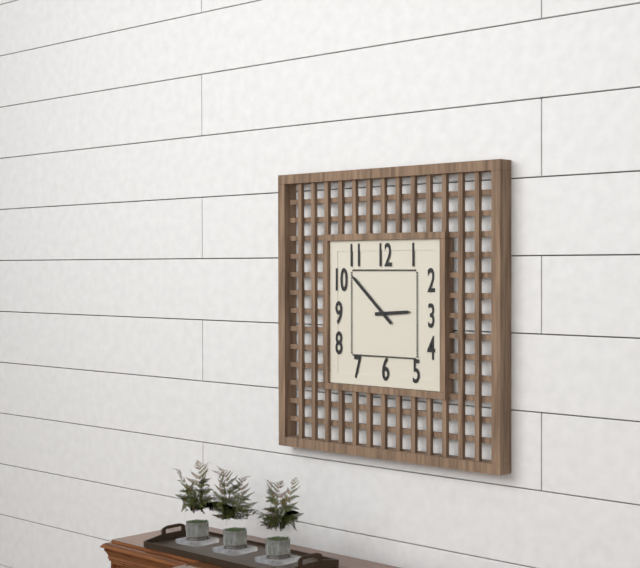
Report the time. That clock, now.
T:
2:52
